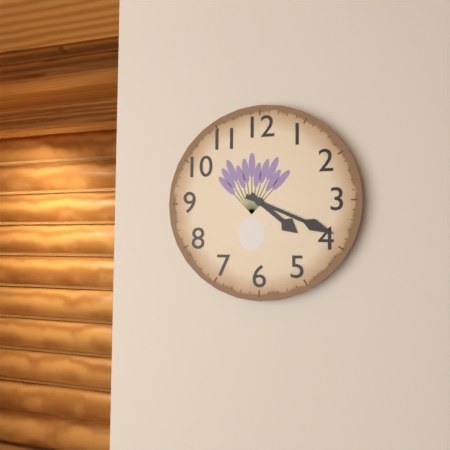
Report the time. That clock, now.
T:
4:19
